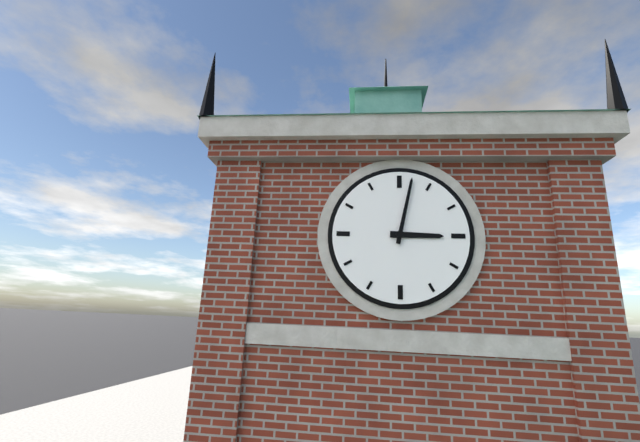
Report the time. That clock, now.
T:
3:02
